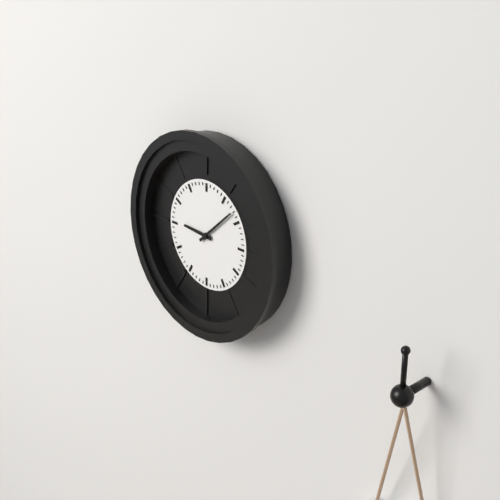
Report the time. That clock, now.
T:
9:08
